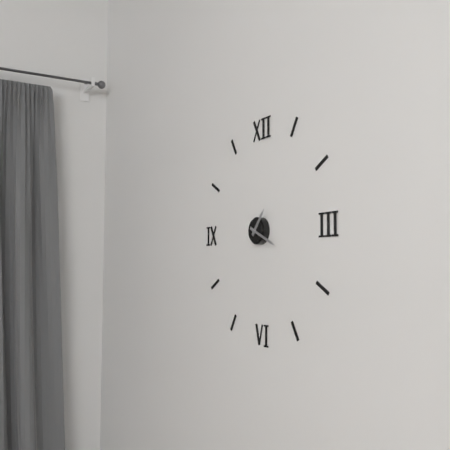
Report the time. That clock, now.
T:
1:19
